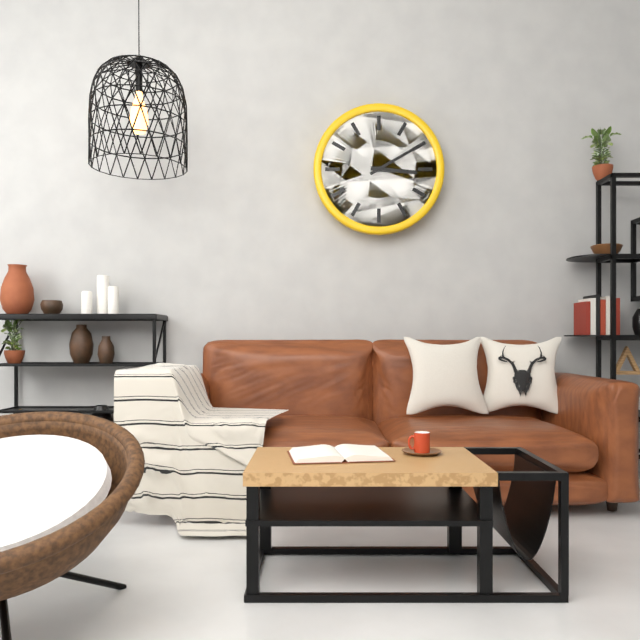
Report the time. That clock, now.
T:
3:10
